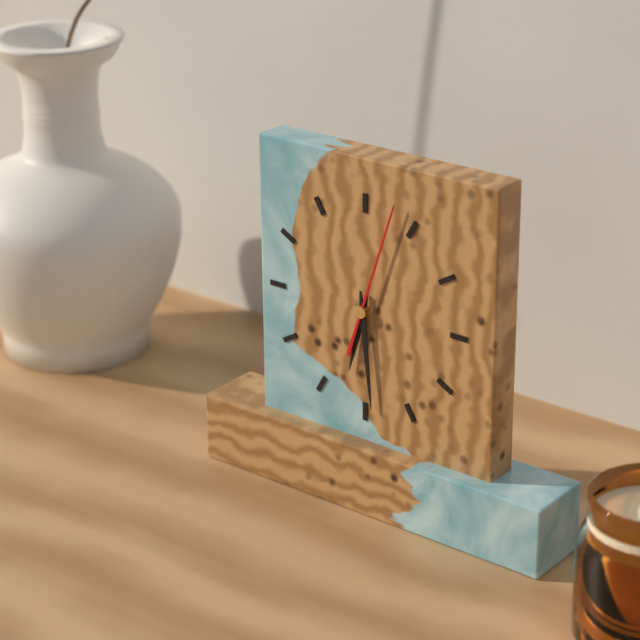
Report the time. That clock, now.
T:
6:29:03
